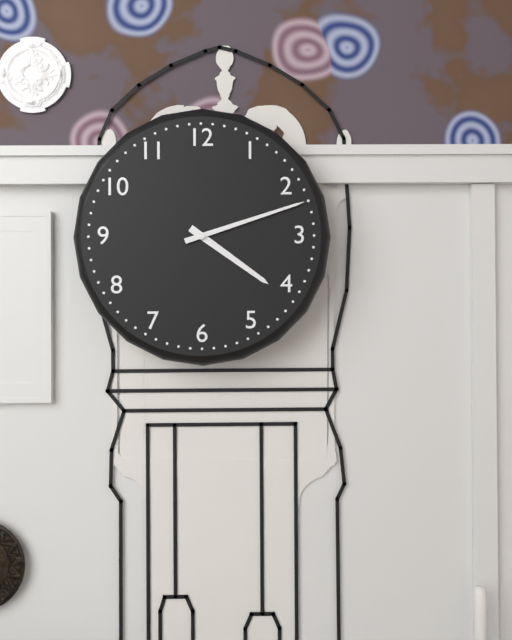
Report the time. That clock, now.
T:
4:12
